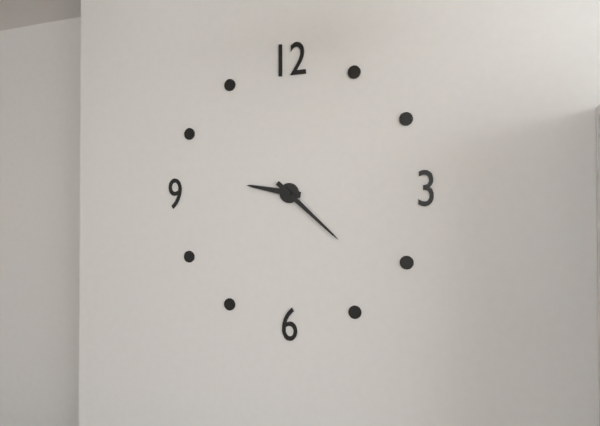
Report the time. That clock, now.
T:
9:22
